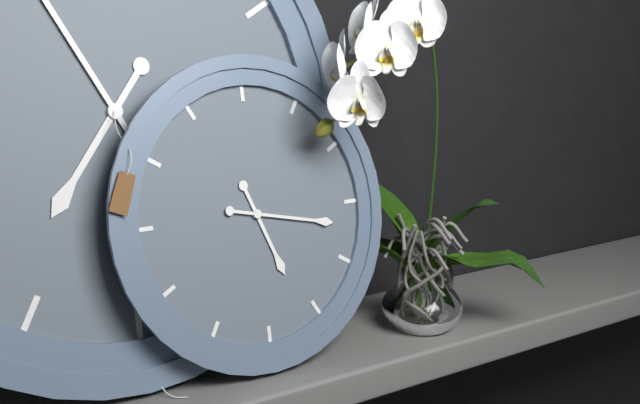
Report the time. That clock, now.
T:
5:17
